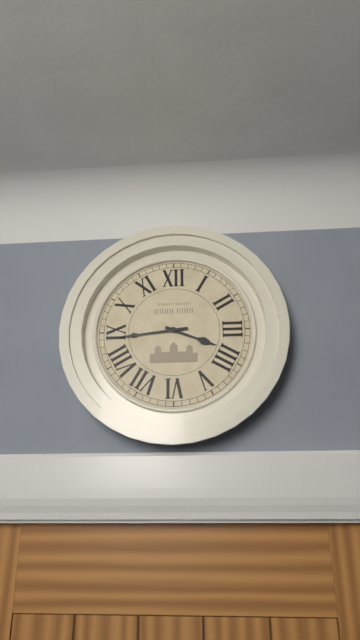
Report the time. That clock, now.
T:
3:44
